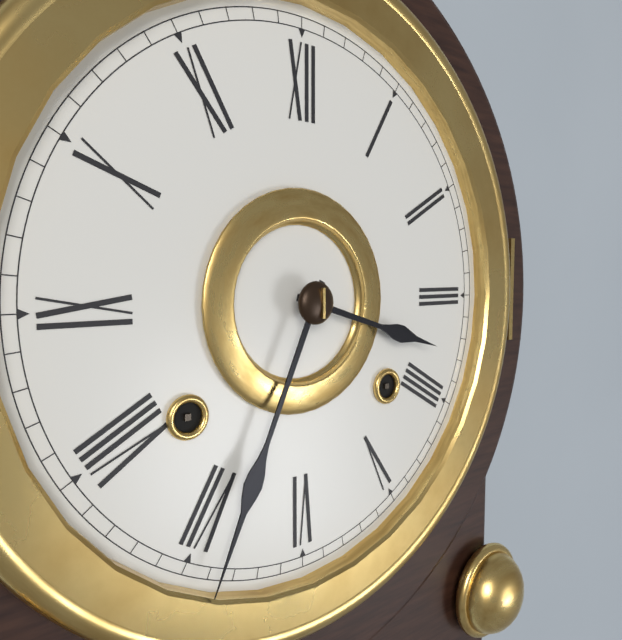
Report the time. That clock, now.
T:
3:34
